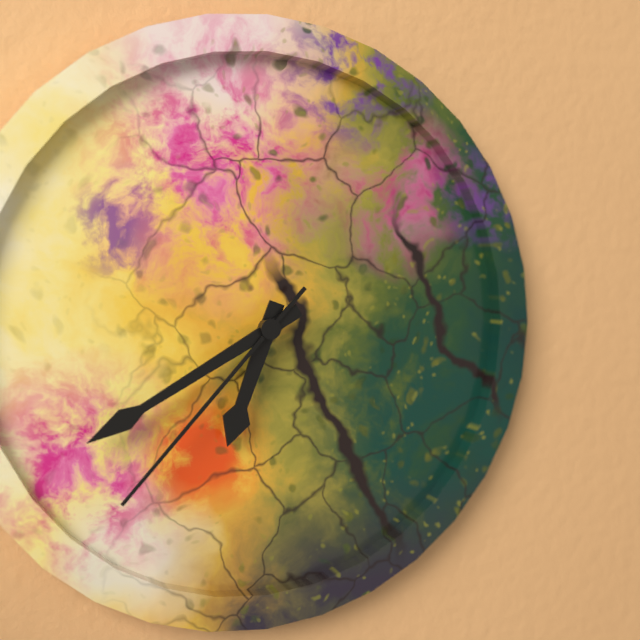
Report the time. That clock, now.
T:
6:40:37
